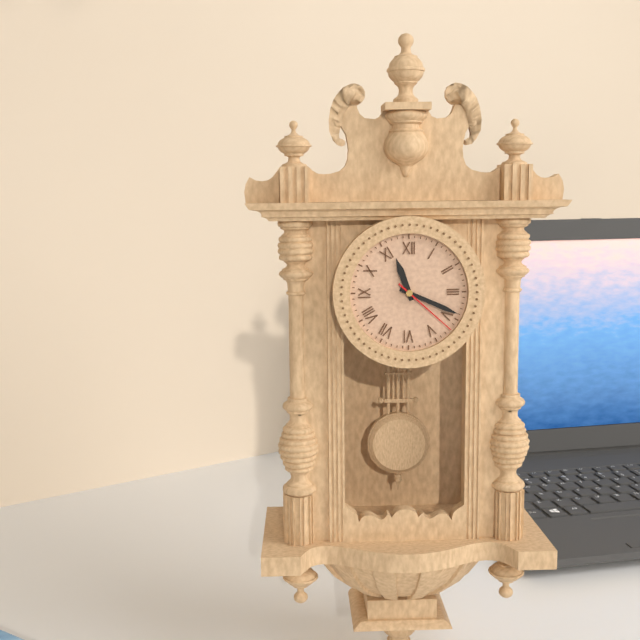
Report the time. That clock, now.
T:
11:19:22
